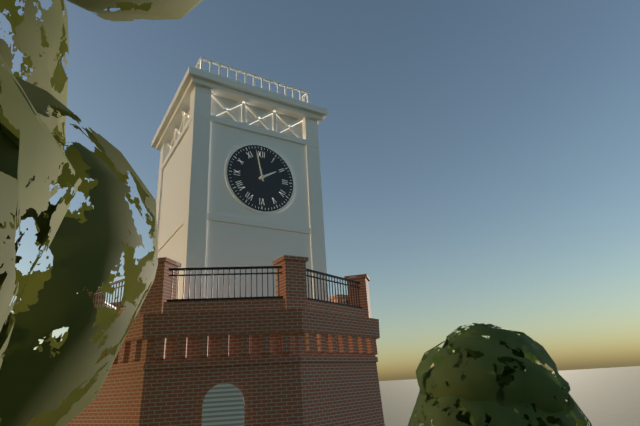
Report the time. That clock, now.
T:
1:58
